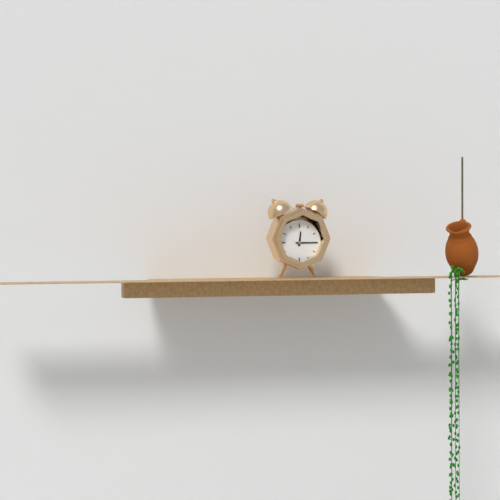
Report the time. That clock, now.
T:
12:15
